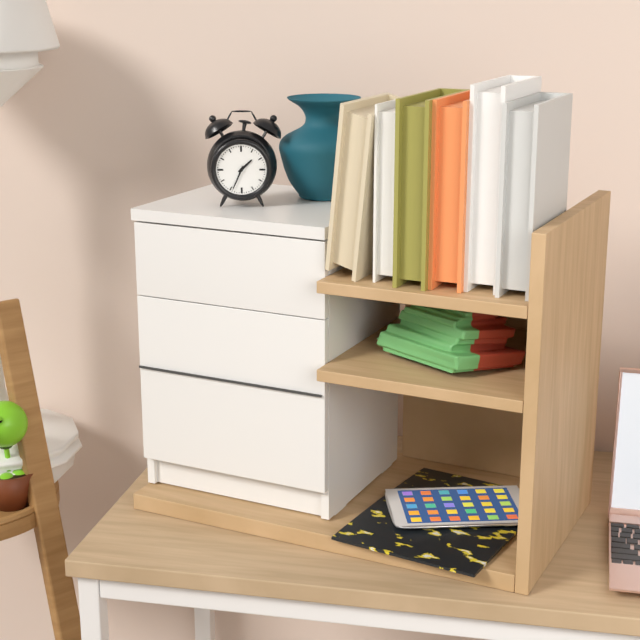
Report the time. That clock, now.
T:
1:34
